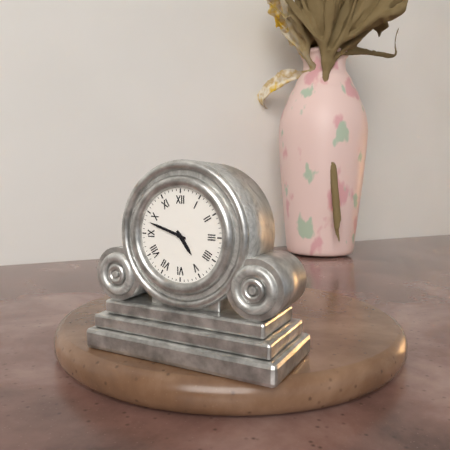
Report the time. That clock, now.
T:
4:48
